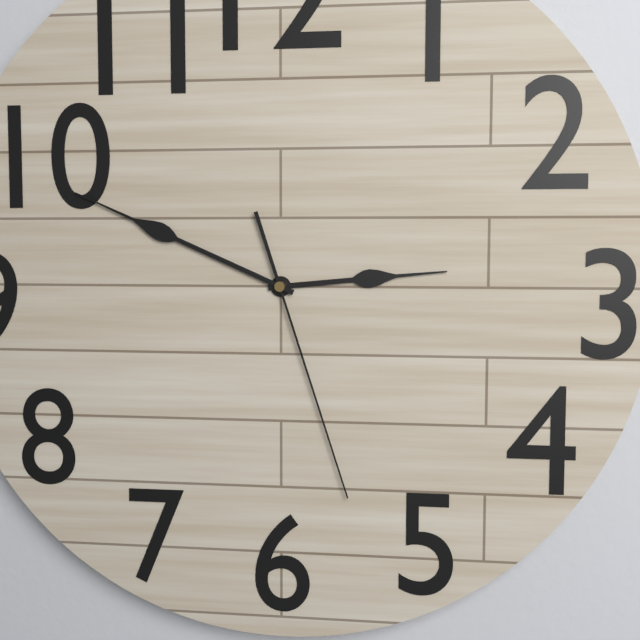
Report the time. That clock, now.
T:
2:49:27
